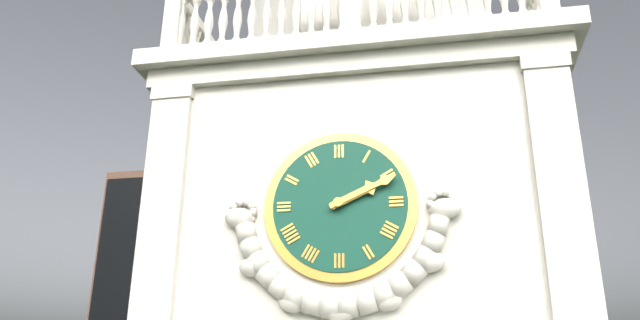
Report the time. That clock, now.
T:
2:11
